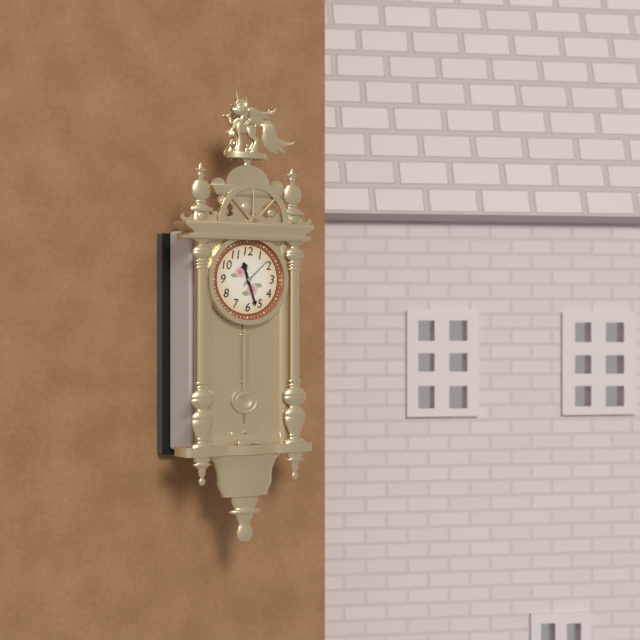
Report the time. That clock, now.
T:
11:27
